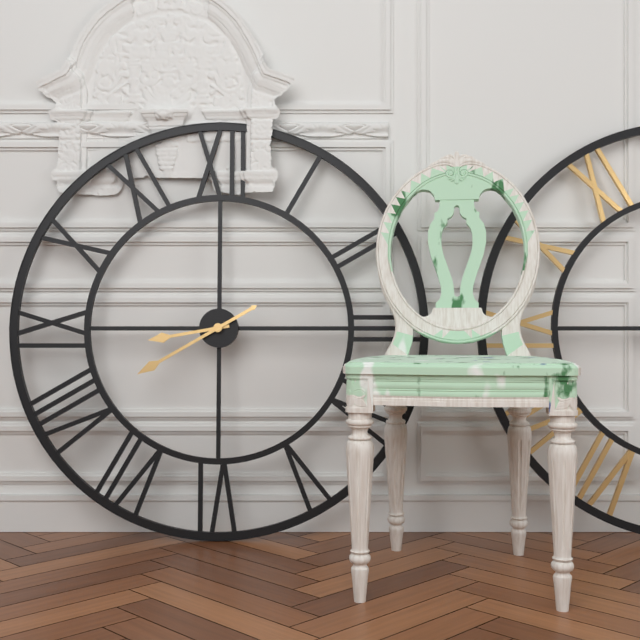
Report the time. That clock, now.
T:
8:40
